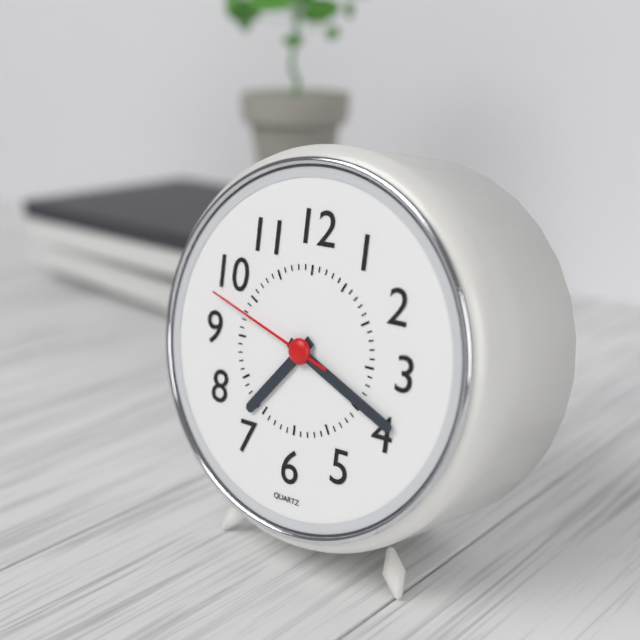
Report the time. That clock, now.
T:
7:19:48
